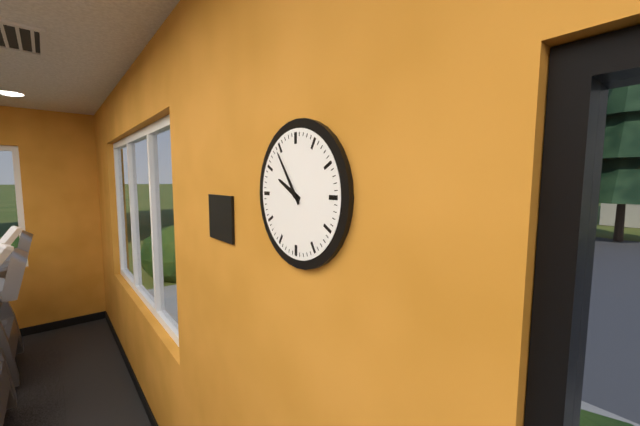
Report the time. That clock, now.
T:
9:54
